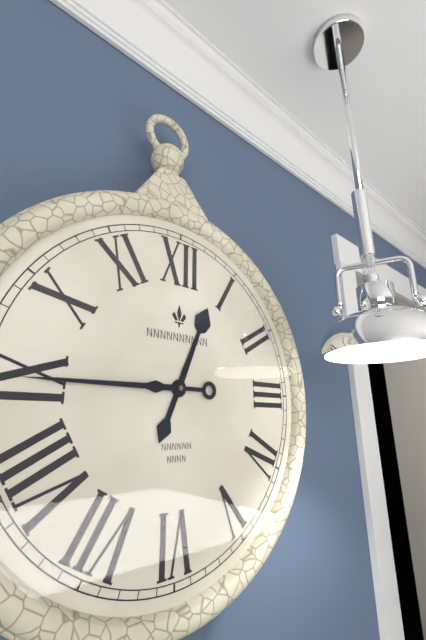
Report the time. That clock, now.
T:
12:45
